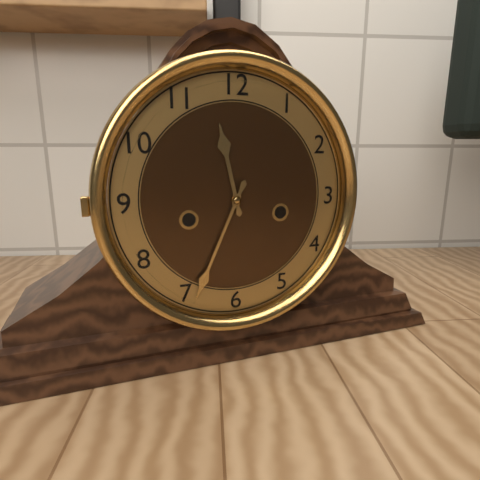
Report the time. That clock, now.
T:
11:34
